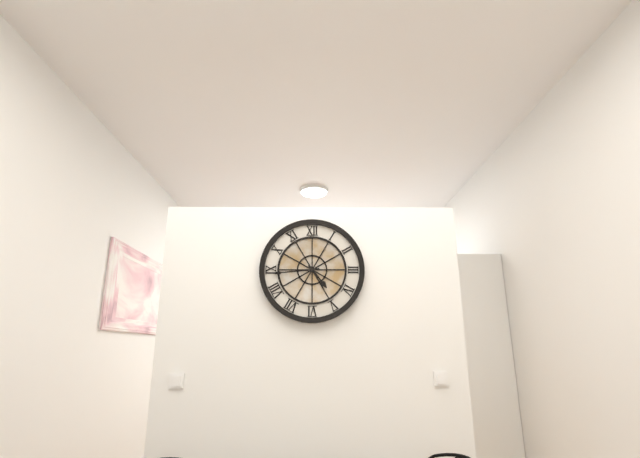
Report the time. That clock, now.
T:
4:44
